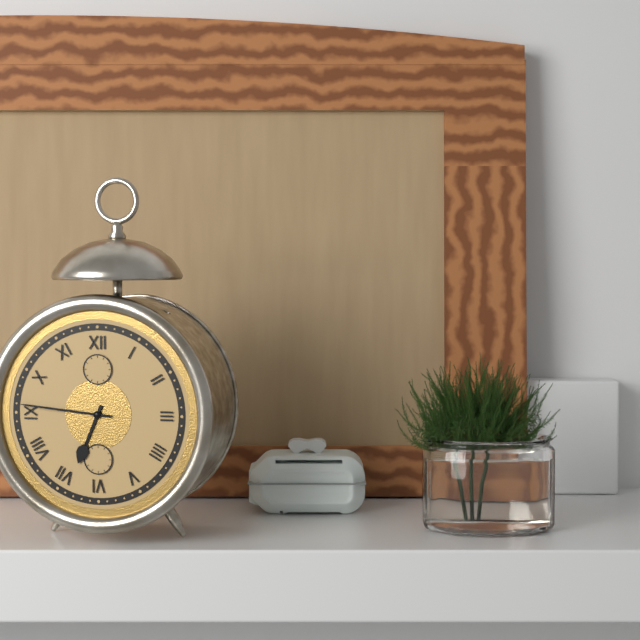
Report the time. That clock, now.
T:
6:46
